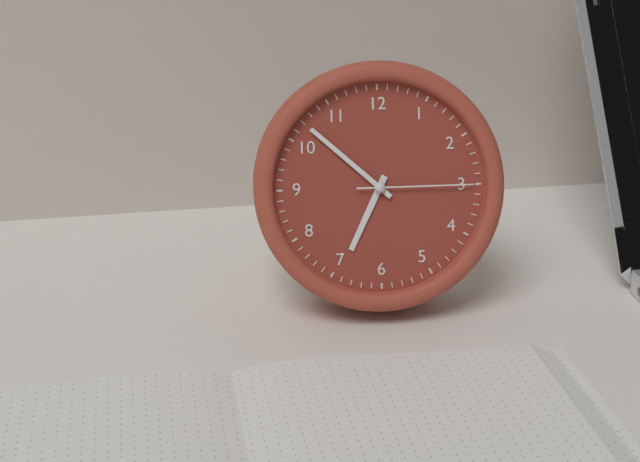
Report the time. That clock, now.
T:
6:52:15
